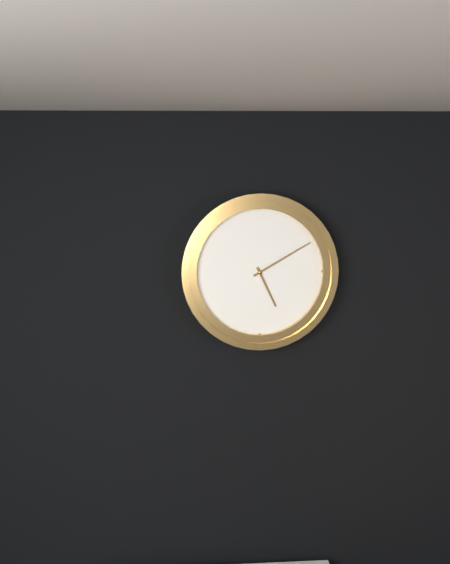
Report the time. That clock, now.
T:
5:10
